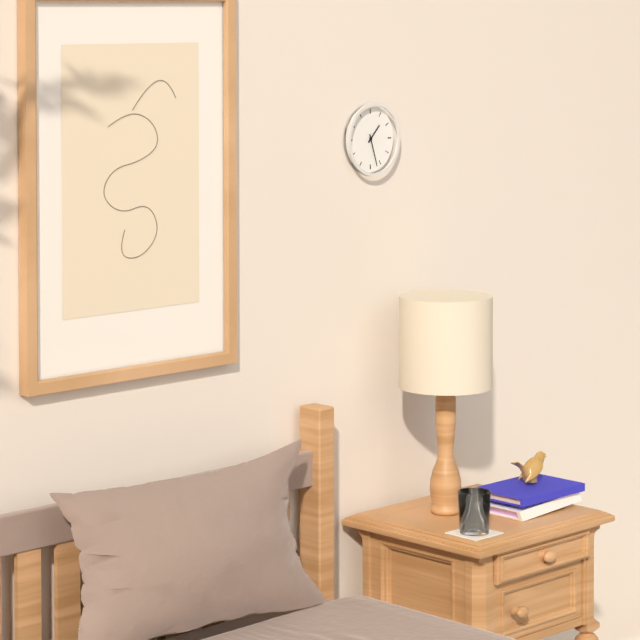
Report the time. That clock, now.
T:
1:27
